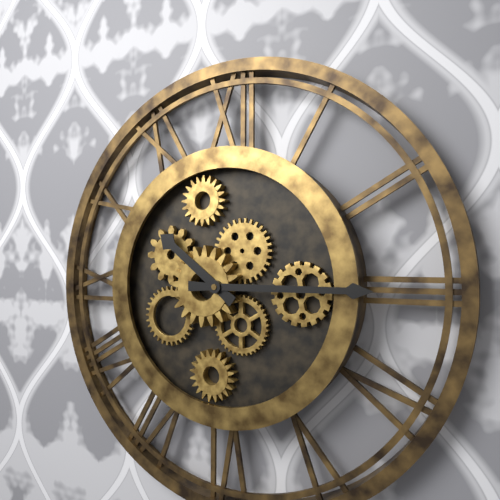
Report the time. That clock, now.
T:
10:15
